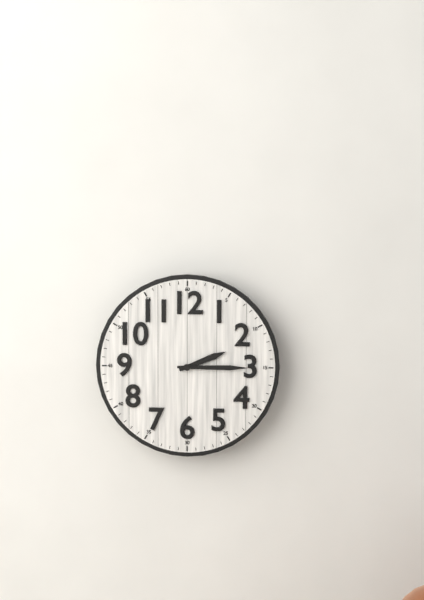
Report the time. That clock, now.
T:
2:15
